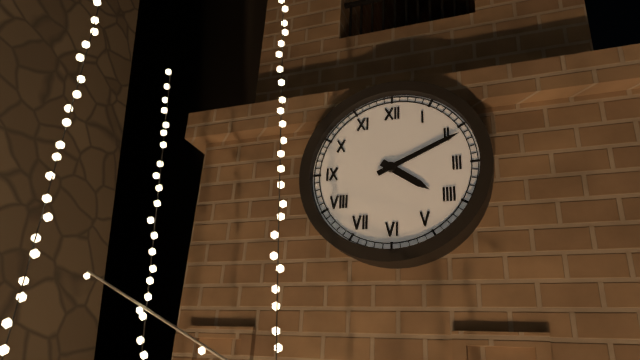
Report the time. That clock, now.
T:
4:11
